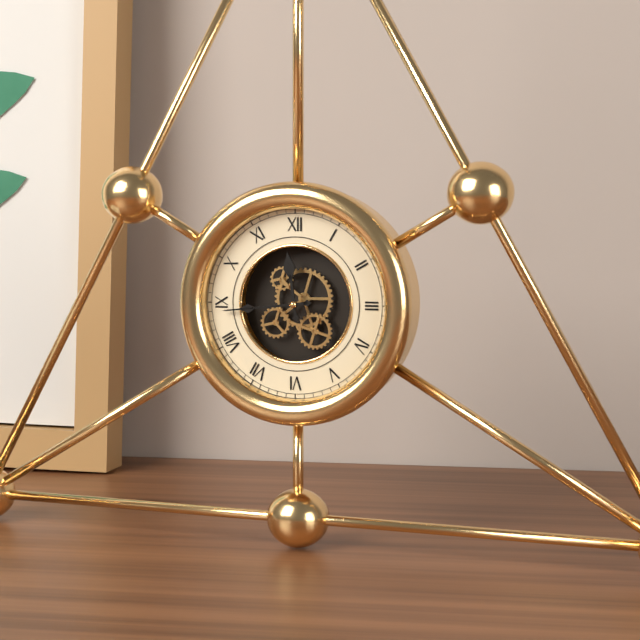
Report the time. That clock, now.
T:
11:44
